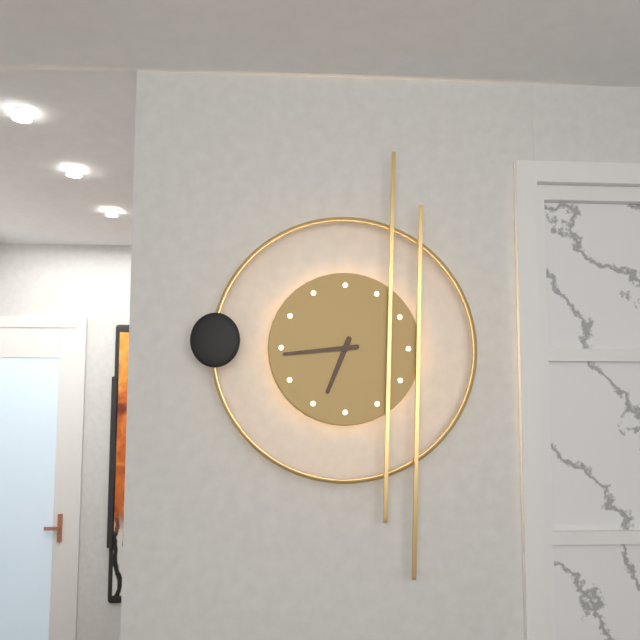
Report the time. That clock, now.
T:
6:44
